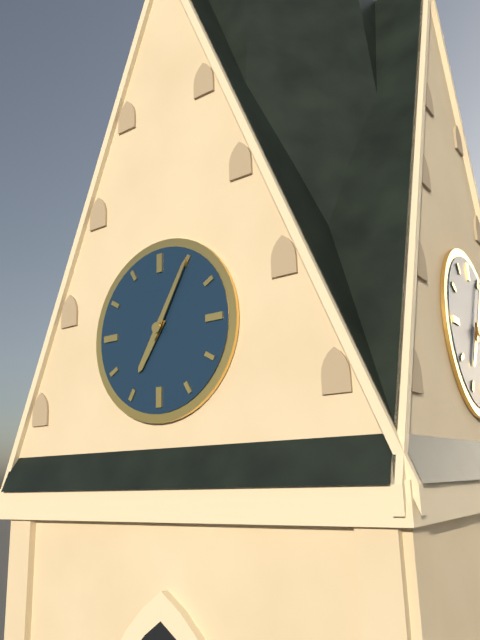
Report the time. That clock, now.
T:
7:05
